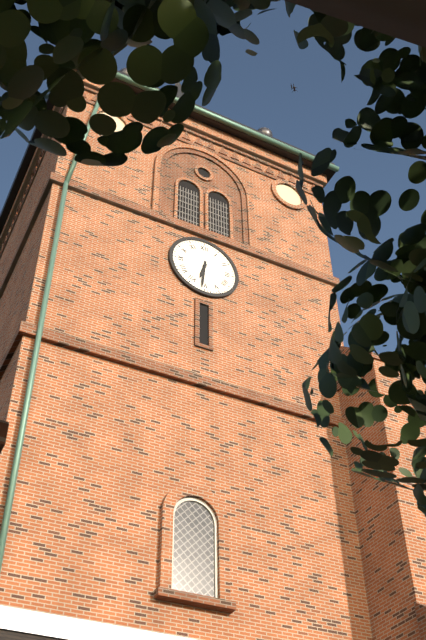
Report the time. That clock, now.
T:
6:31
